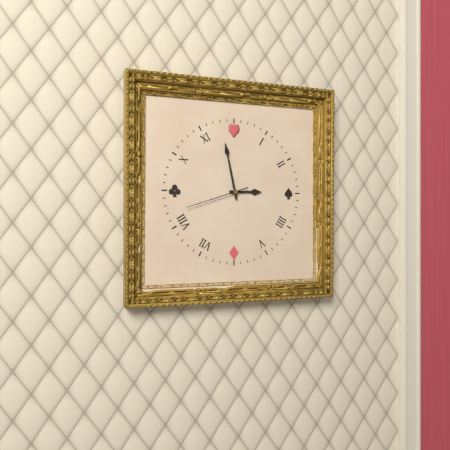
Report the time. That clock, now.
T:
2:58:42
